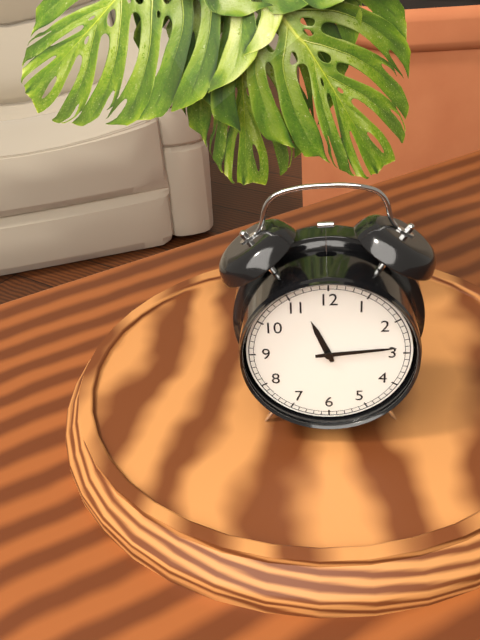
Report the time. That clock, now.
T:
11:14
